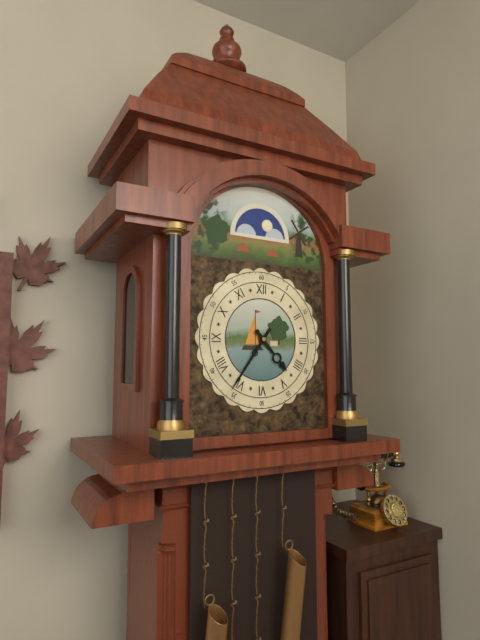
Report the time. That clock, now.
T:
4:36
